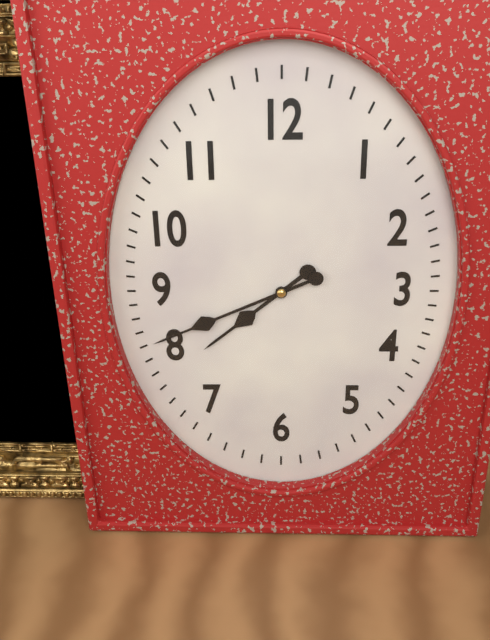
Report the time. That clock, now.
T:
7:41
